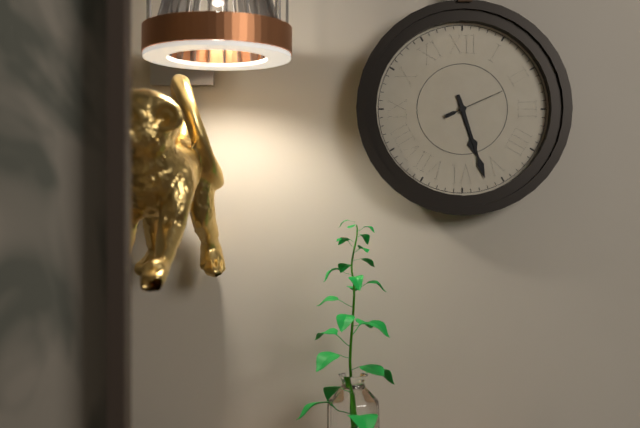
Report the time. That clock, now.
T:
5:27:11
